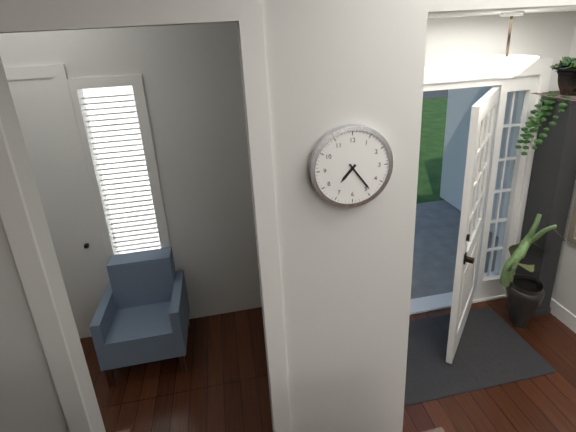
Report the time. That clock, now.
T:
7:24
